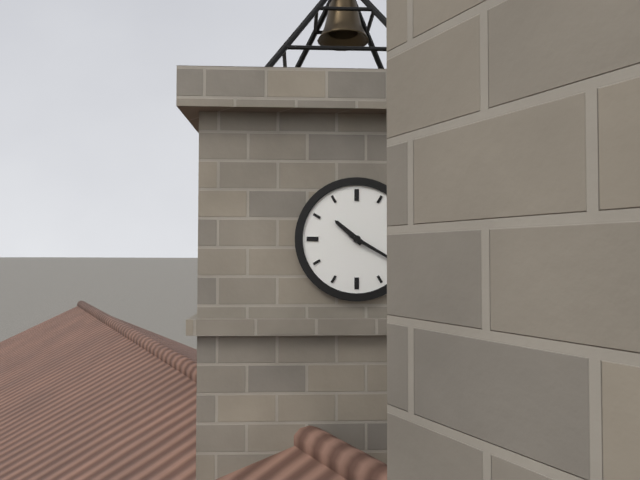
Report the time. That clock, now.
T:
10:20
